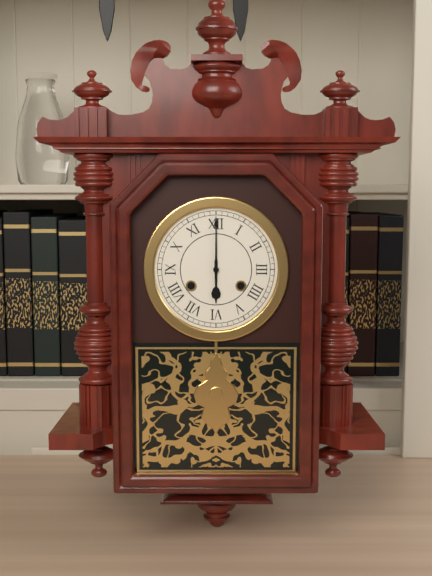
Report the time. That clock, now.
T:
6:00
